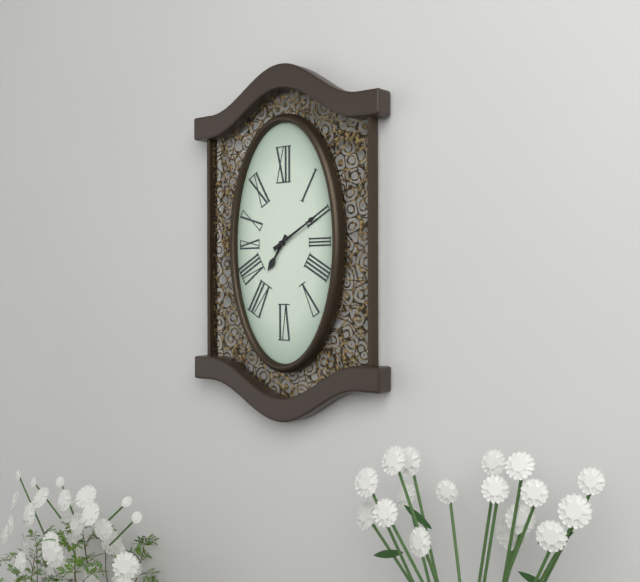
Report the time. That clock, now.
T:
7:10
